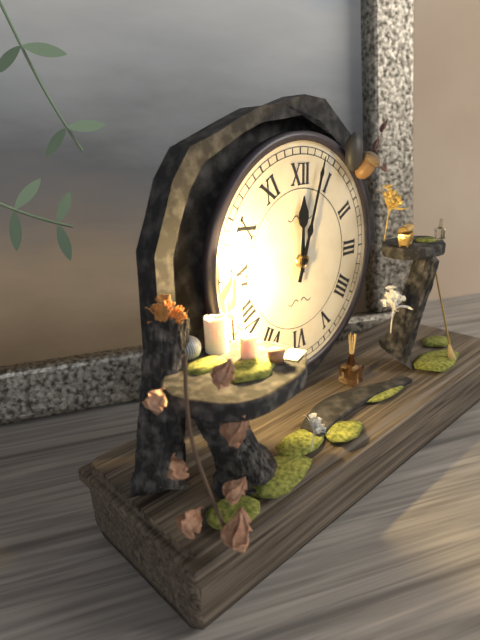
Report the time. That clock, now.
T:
12:03
